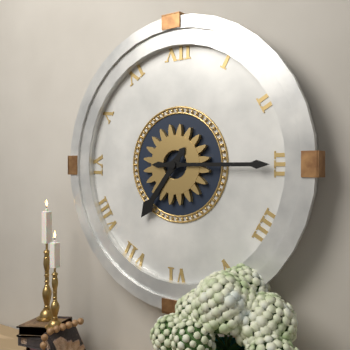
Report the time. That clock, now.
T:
7:15
